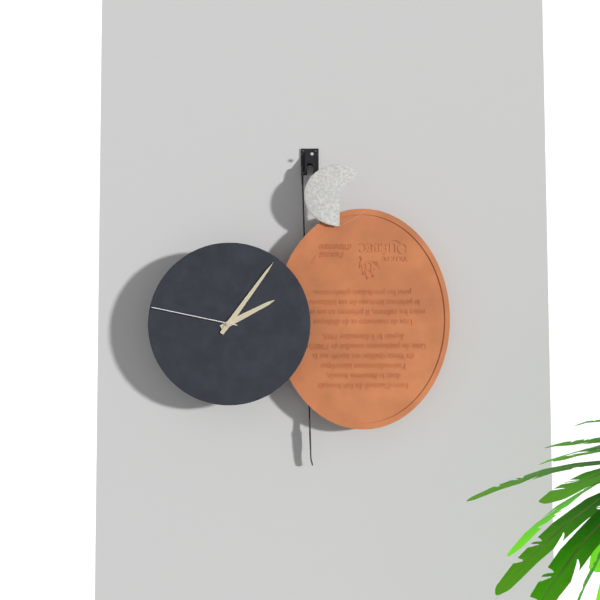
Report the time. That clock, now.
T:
2:06:47
